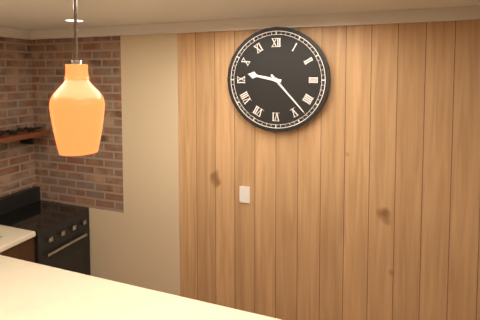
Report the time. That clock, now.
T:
9:23
